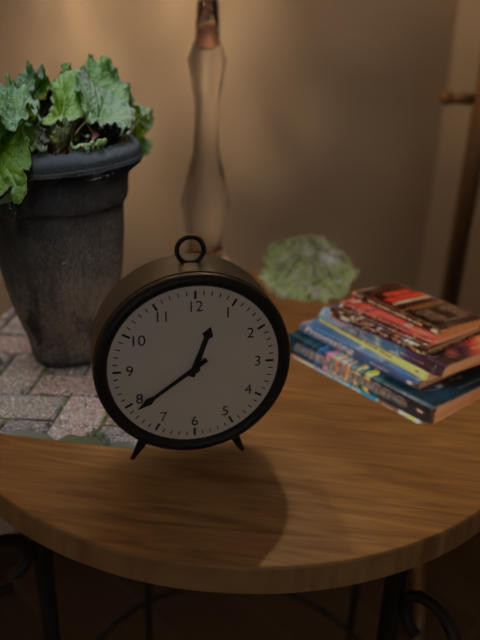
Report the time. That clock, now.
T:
12:39
